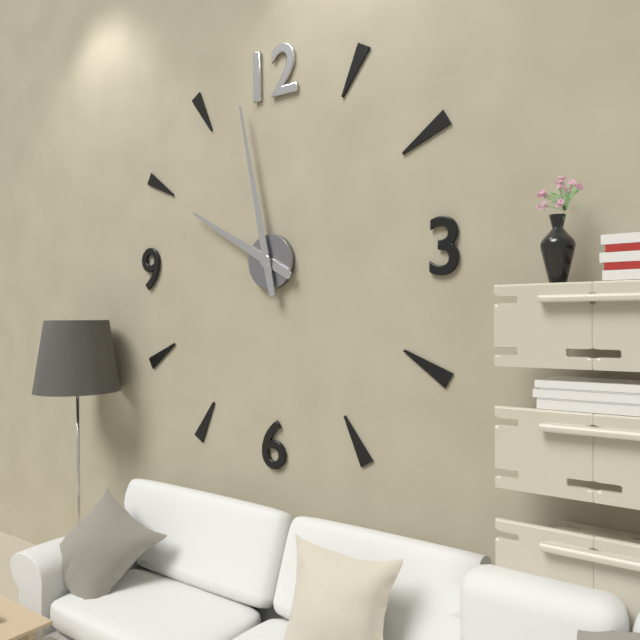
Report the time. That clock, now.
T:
9:58
